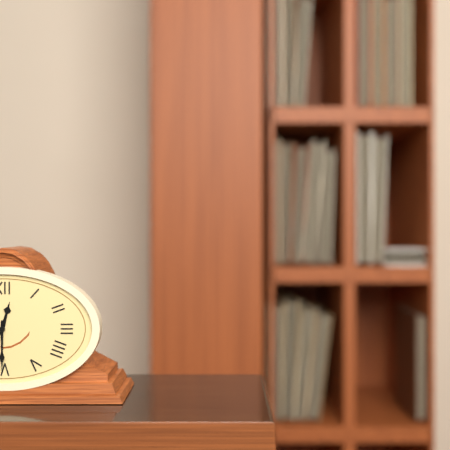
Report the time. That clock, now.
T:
12:30
